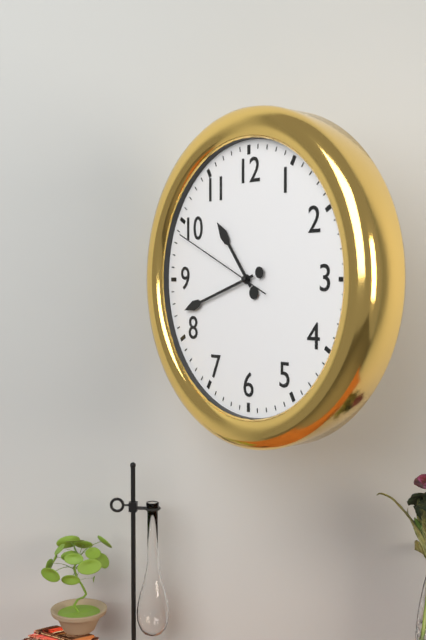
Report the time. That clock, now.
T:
10:42:49
